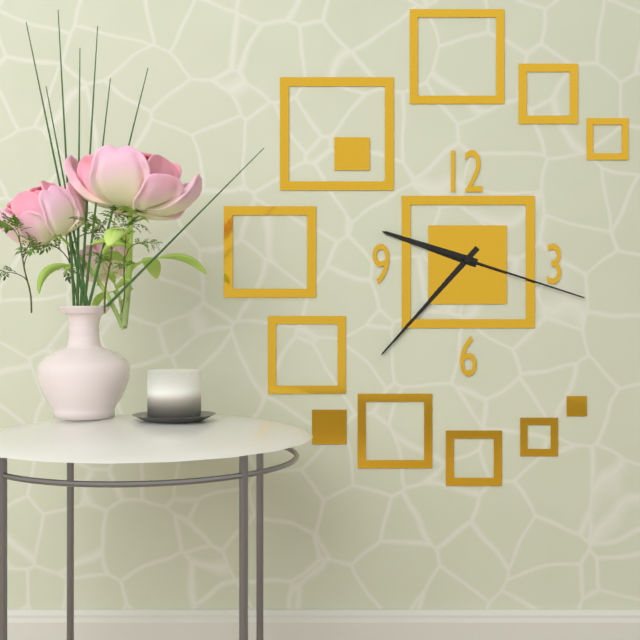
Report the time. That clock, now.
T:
9:37:18
